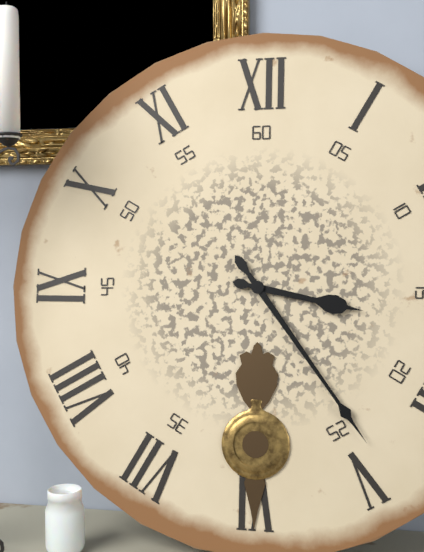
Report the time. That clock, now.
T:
3:24
